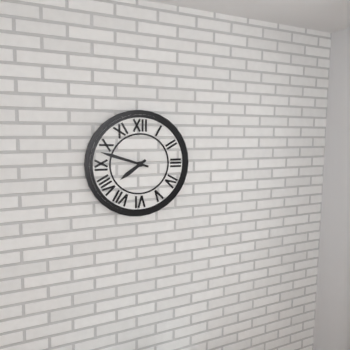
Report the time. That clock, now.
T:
7:48
